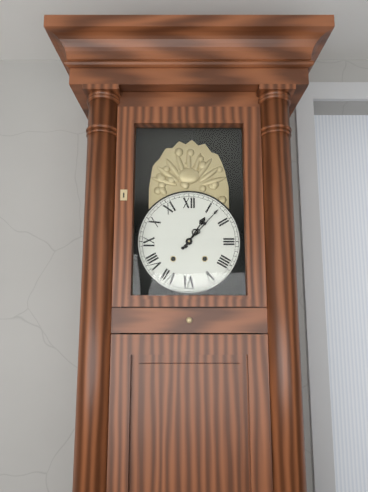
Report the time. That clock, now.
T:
1:07
